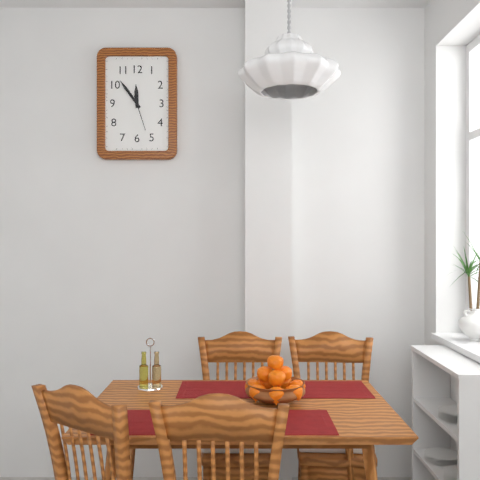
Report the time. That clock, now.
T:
11:54
